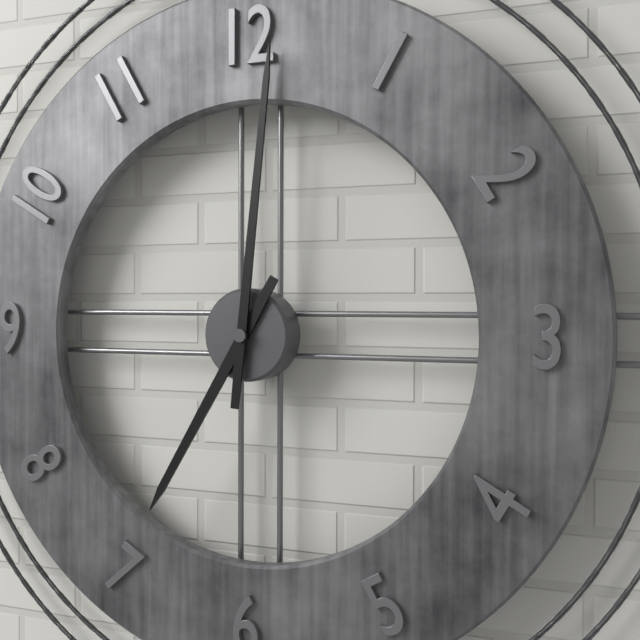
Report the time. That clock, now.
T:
7:01
